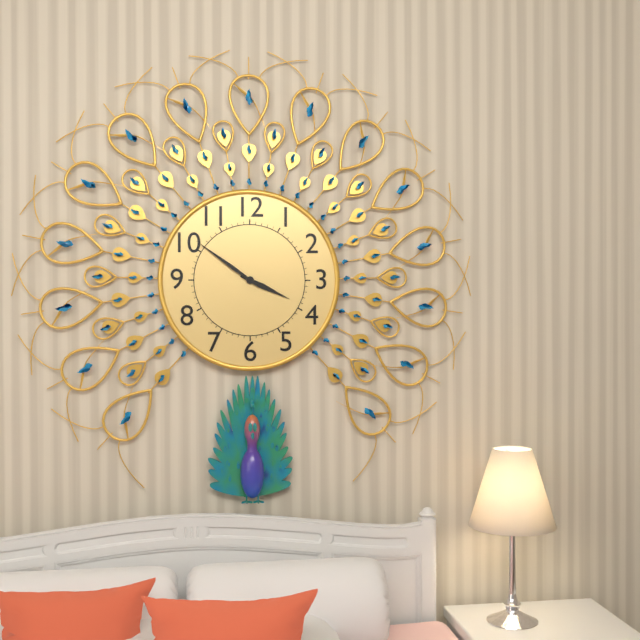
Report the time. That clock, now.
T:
3:51
